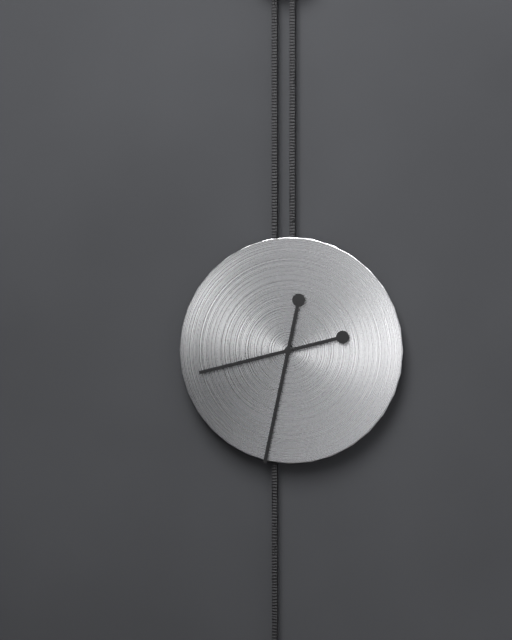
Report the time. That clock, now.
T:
8:32
